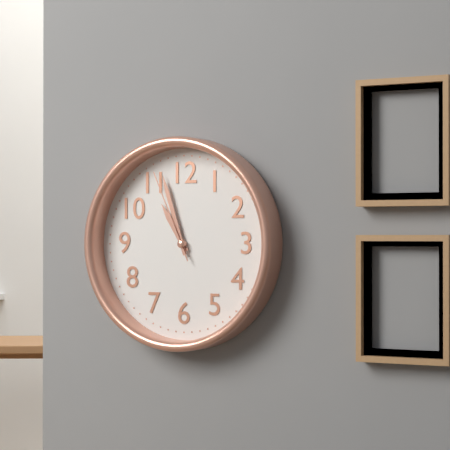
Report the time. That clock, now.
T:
10:57:56
